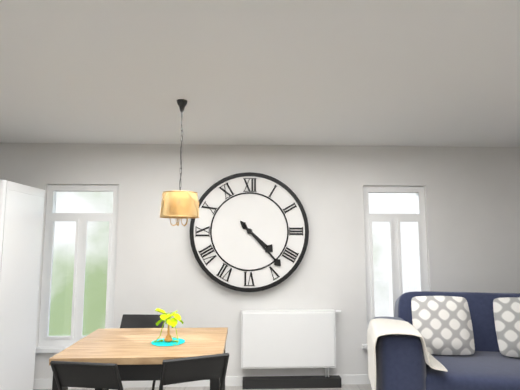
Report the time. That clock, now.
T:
4:23
